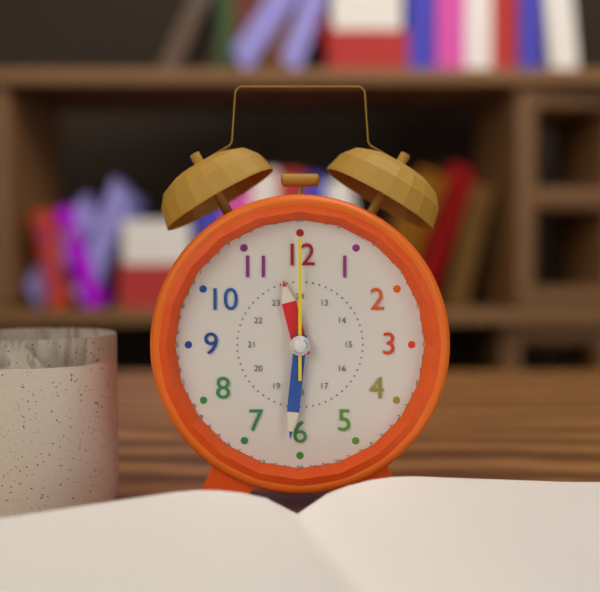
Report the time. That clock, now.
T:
11:31:00
